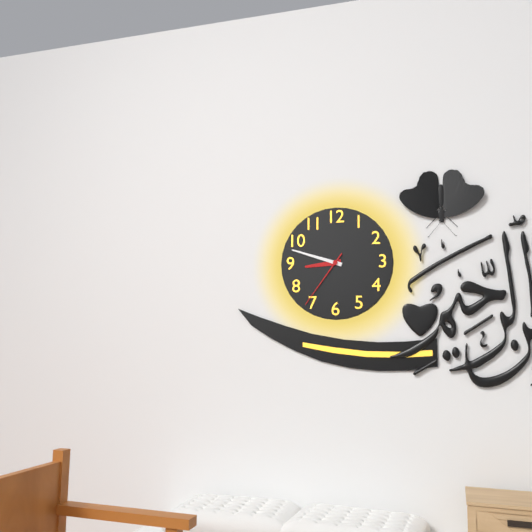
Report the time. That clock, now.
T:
8:48:36
